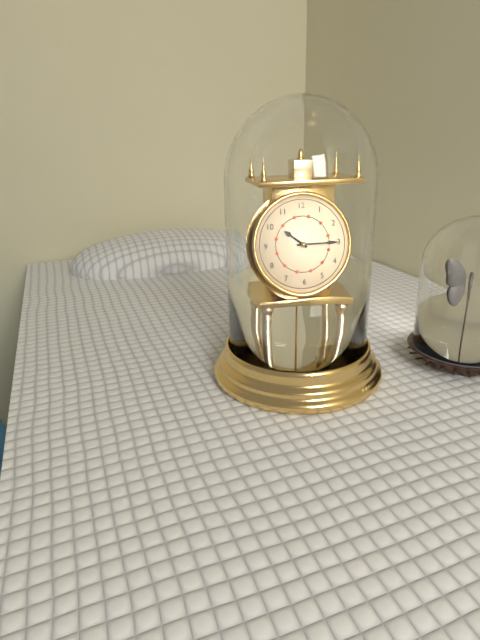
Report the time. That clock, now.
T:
10:15
